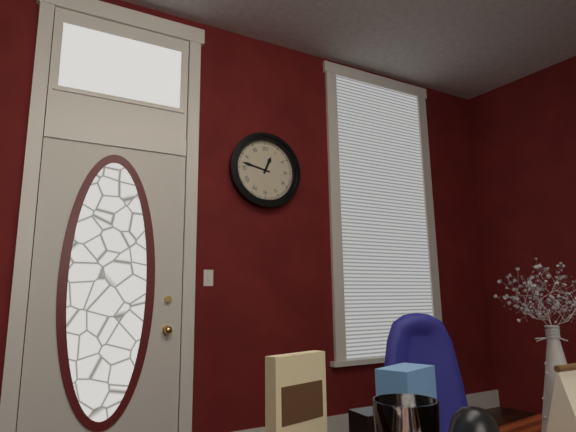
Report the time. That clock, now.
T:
12:47
